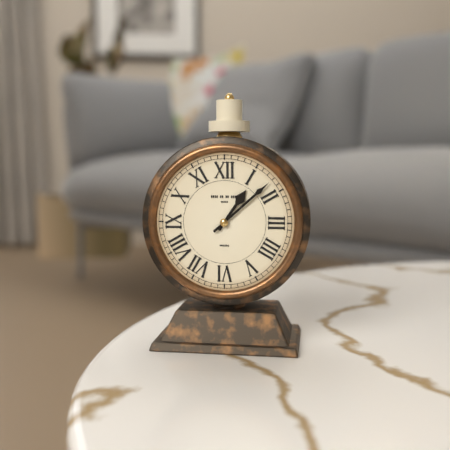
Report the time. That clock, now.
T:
1:08
